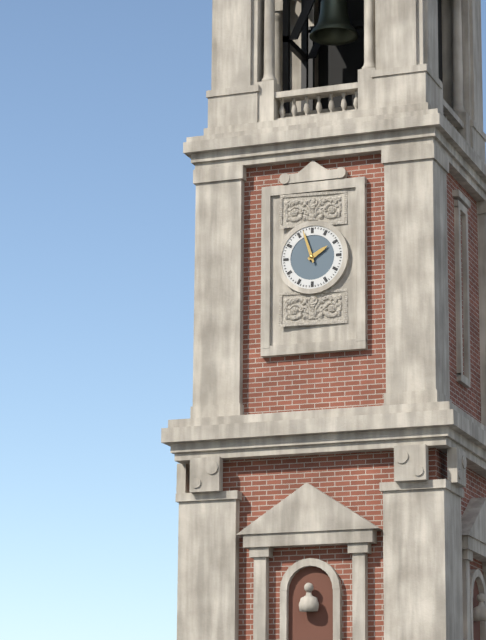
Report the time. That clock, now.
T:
1:57
